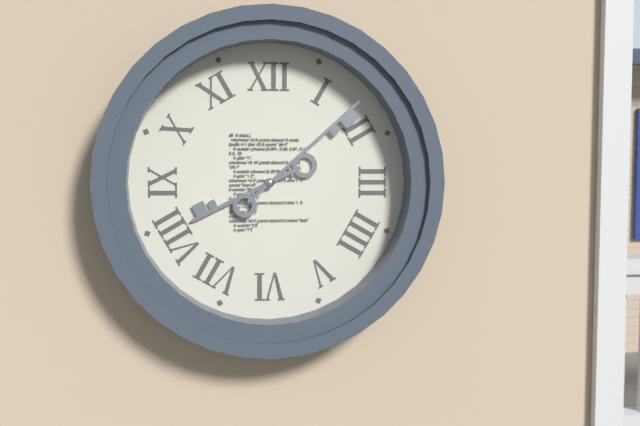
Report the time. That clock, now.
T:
8:08
